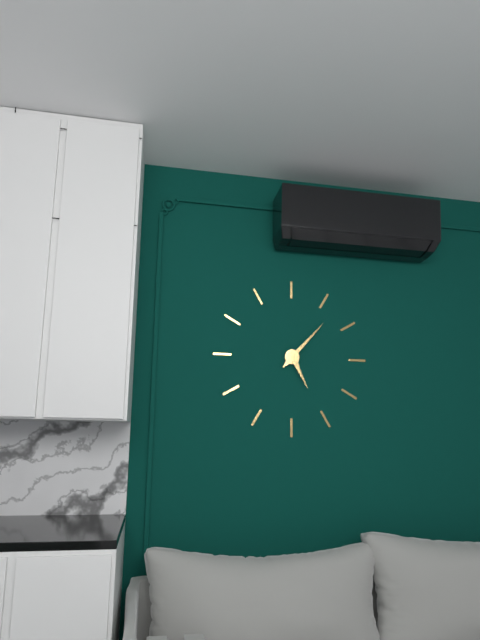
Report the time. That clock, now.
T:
5:07
